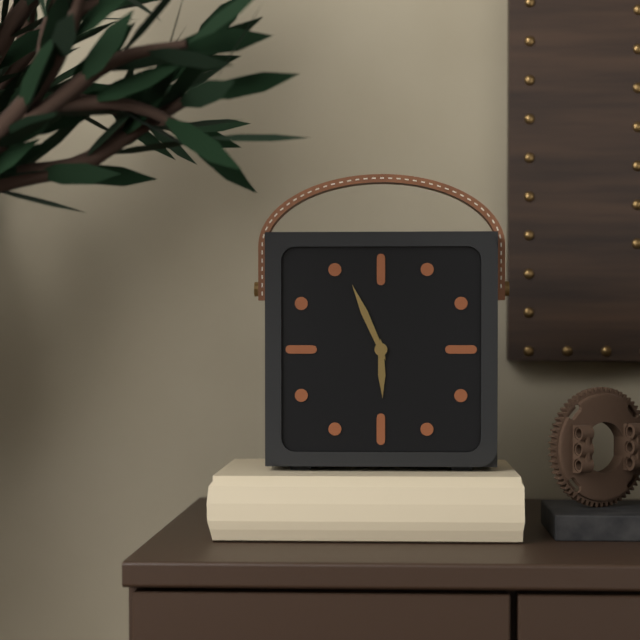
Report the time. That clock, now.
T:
5:56
